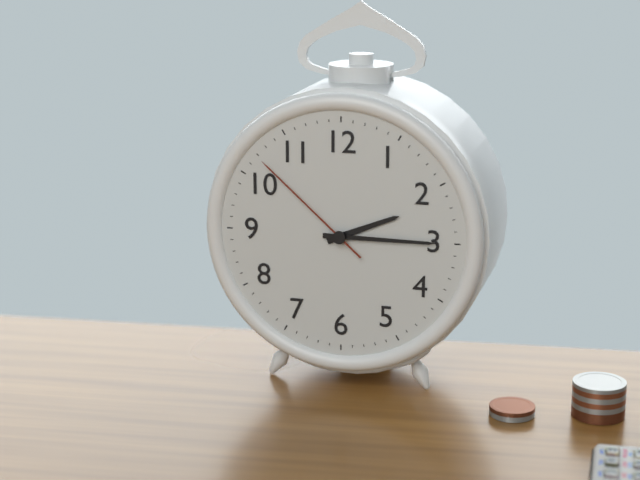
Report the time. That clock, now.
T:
2:15:52
